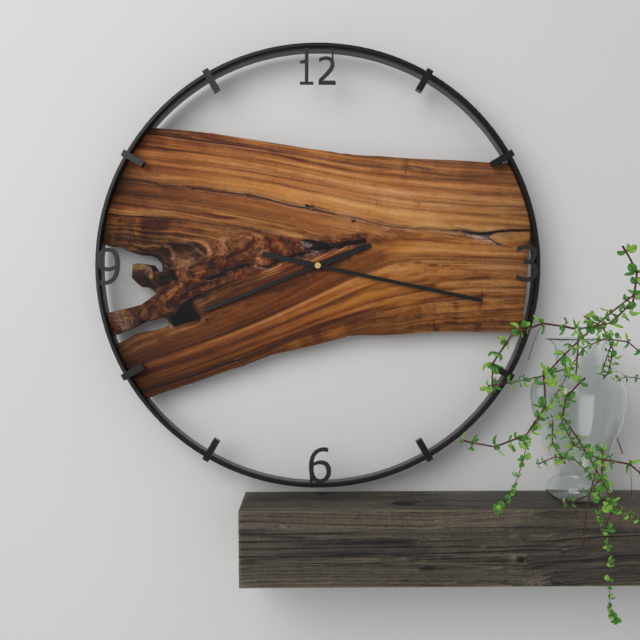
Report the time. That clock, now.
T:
8:17
